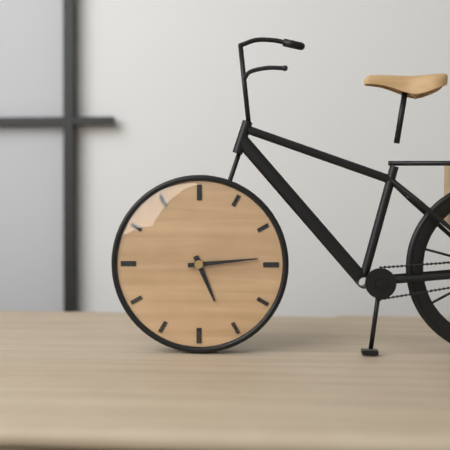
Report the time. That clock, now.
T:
5:14
